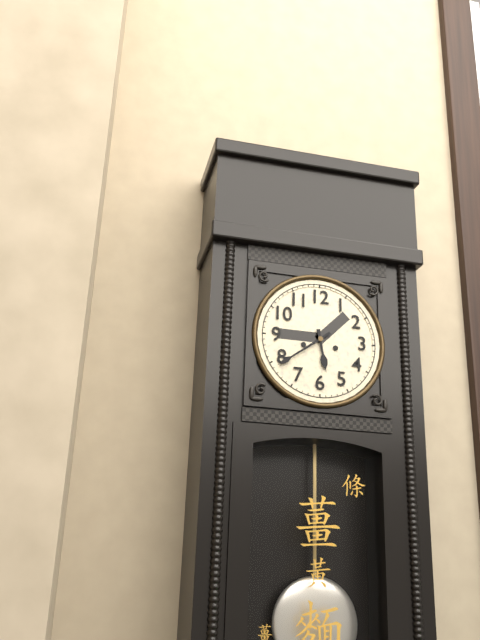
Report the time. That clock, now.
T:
5:39
